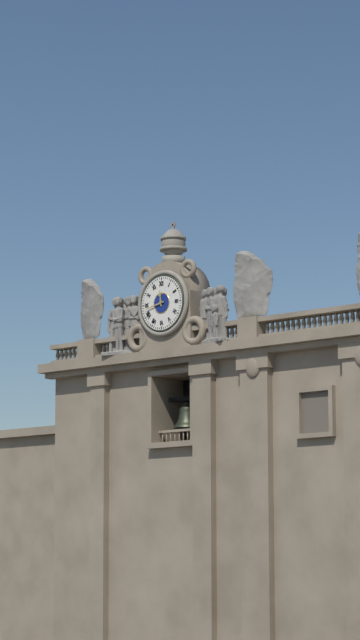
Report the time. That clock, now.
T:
11:43
